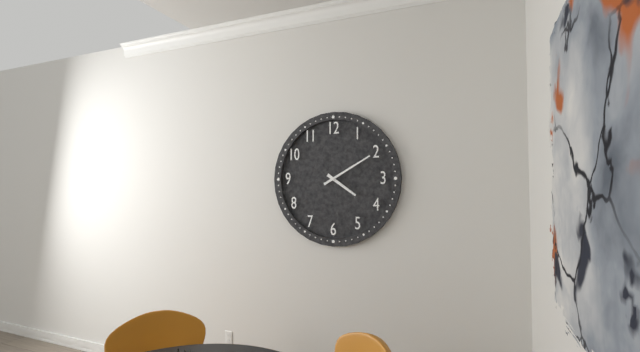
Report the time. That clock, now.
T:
4:10
